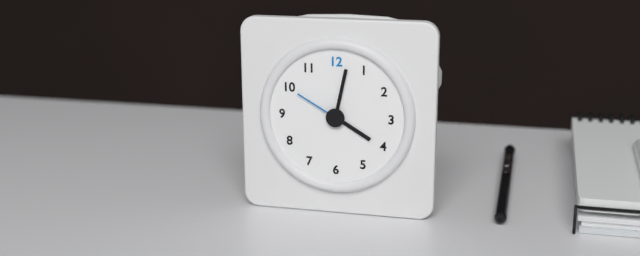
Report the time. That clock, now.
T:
4:02:50
